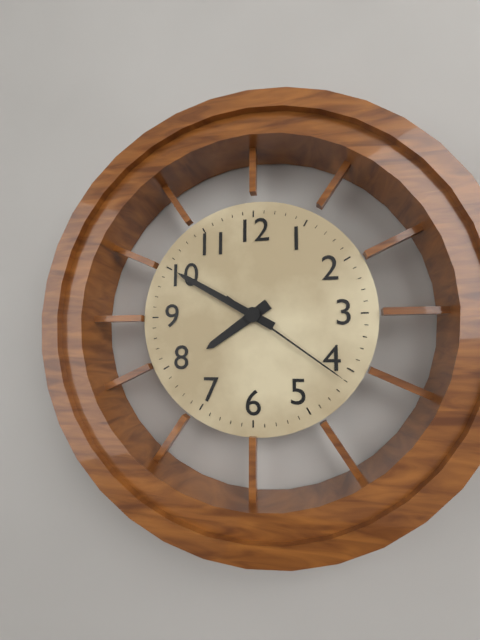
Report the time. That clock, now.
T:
7:50:21
